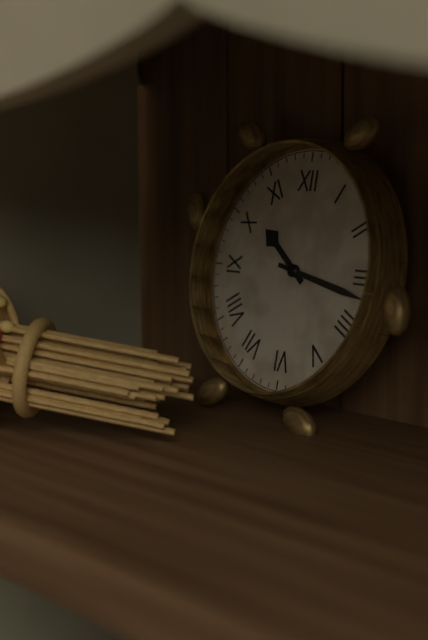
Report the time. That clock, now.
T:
10:17
